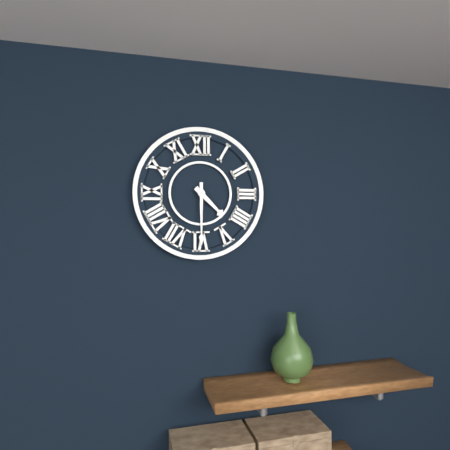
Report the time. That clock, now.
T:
4:30
